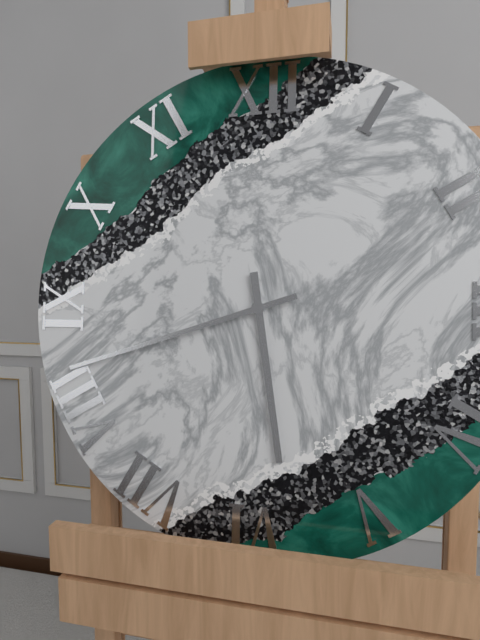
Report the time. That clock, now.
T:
5:42
